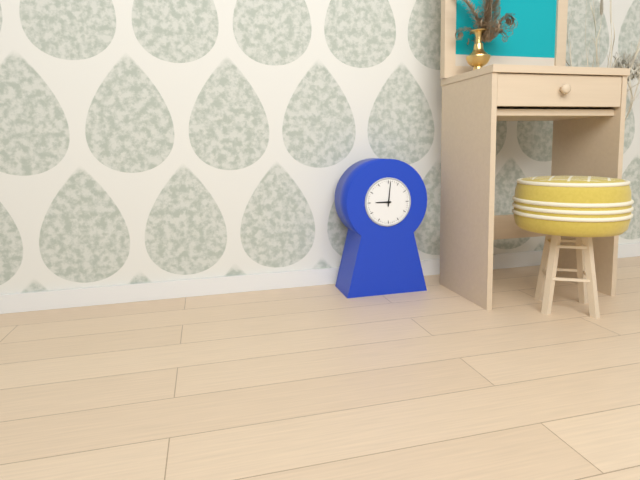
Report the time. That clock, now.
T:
9:01
